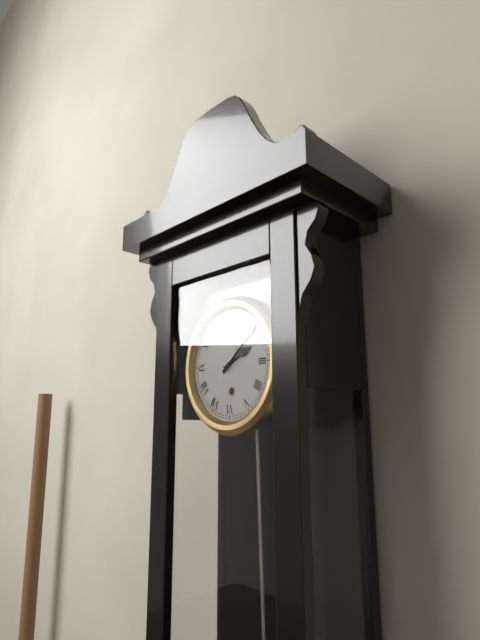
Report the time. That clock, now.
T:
2:08
